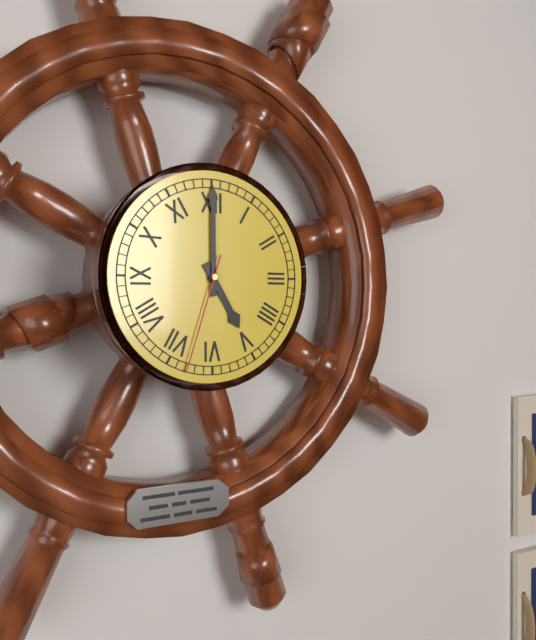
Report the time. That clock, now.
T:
5:00:33
